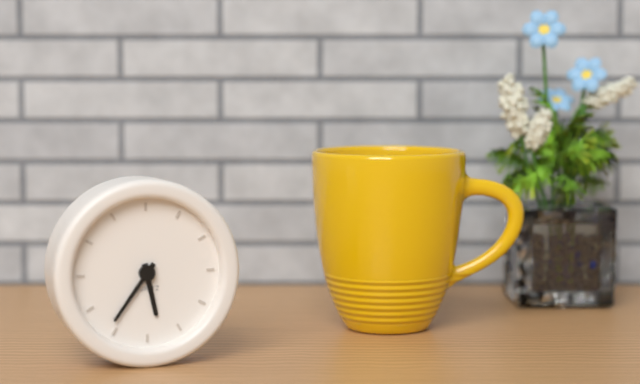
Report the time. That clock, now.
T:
5:36
